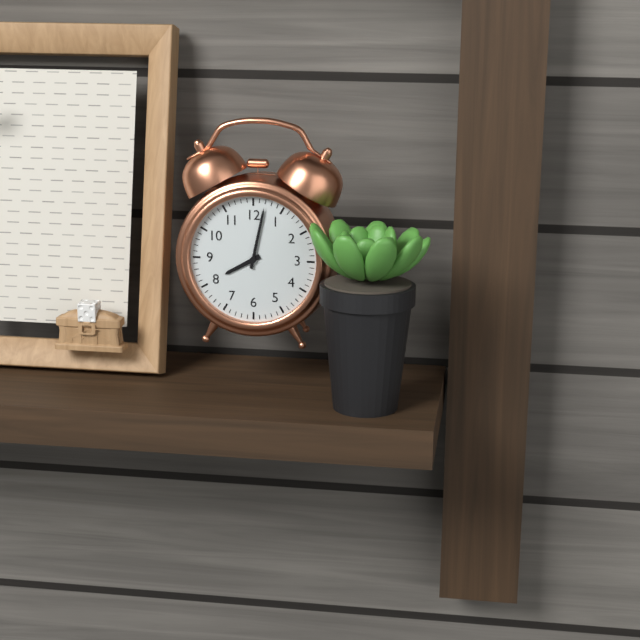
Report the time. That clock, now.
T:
8:02
